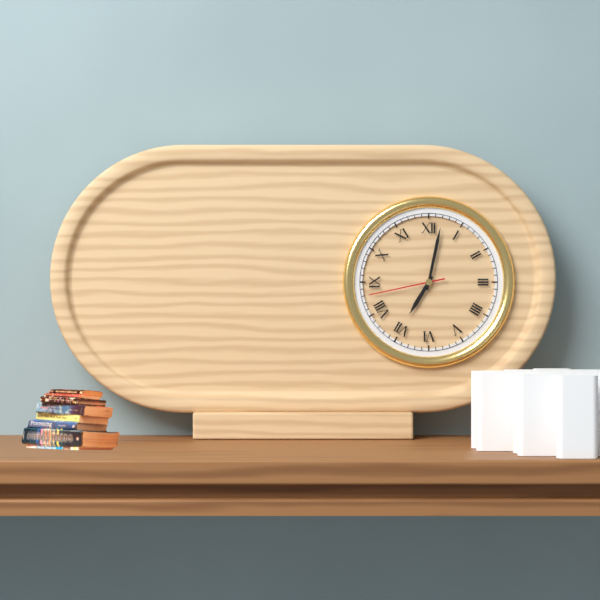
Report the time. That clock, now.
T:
7:02:43
